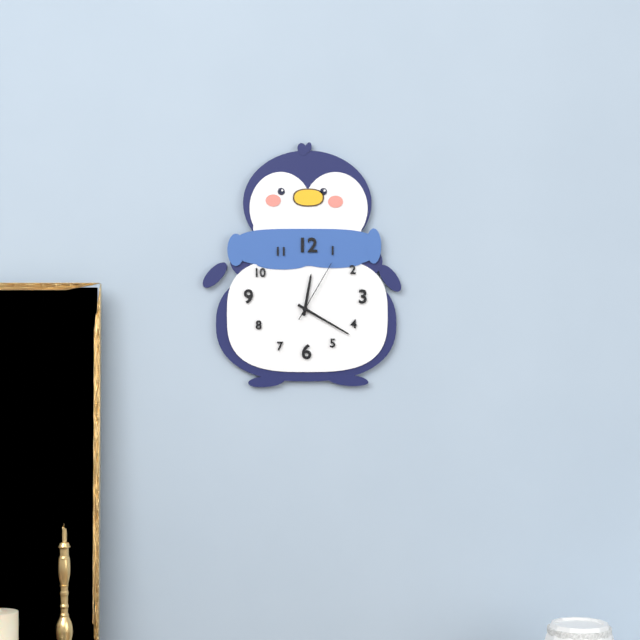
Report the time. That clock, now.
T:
12:20:05
